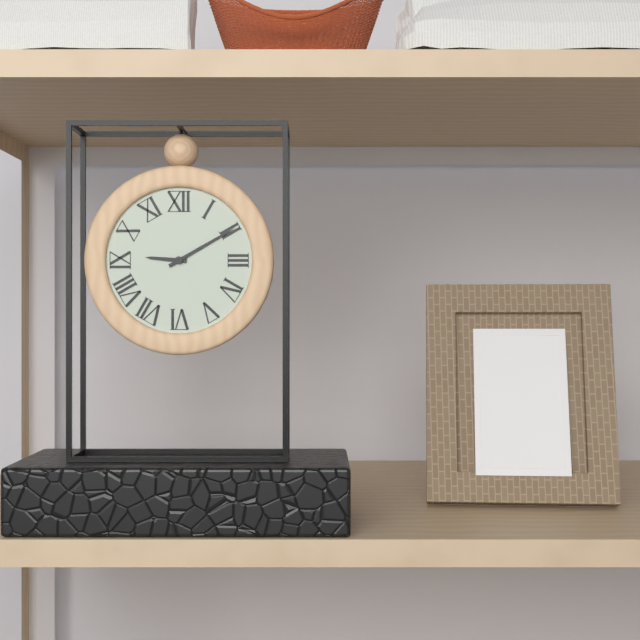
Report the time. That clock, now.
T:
9:10
